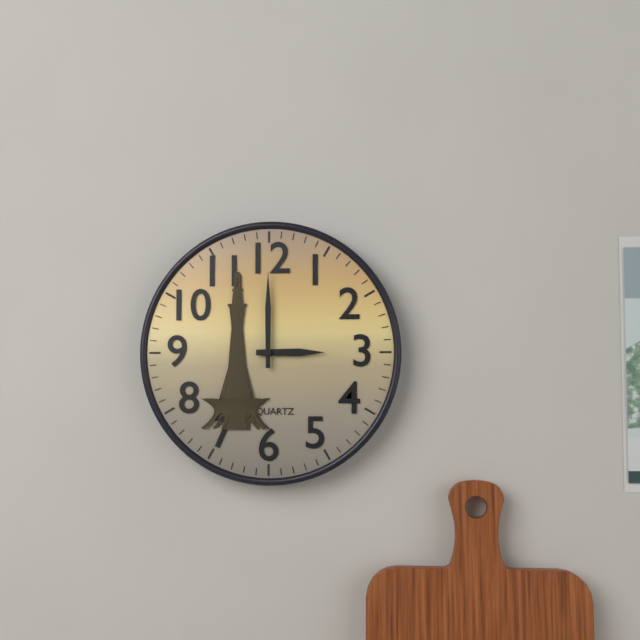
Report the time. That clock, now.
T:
3:00
